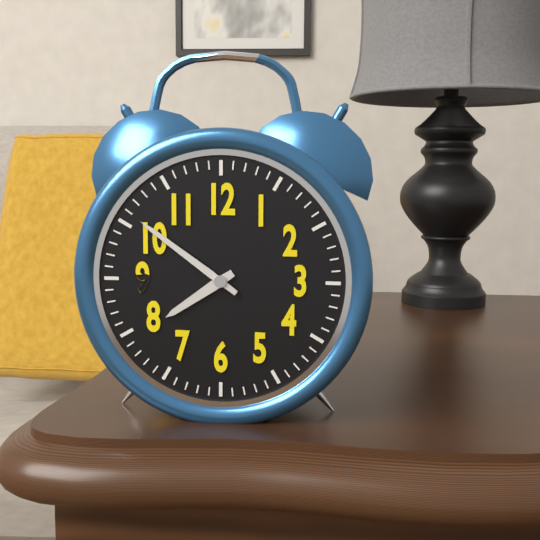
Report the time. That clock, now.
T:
7:51
